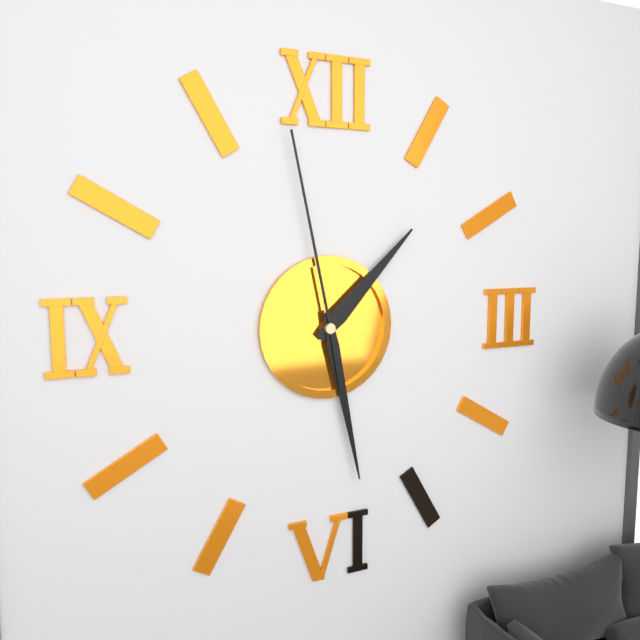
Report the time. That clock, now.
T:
1:28:58
